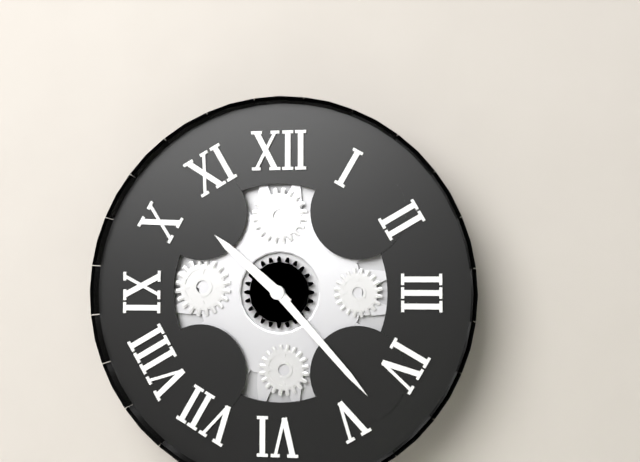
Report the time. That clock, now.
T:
10:23
